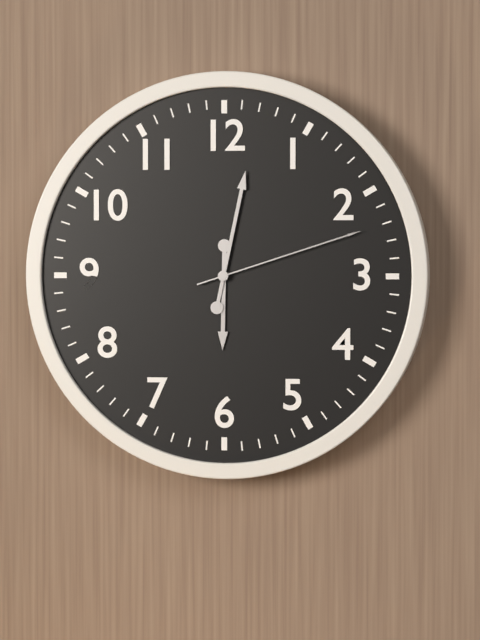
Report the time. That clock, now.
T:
6:02:12
